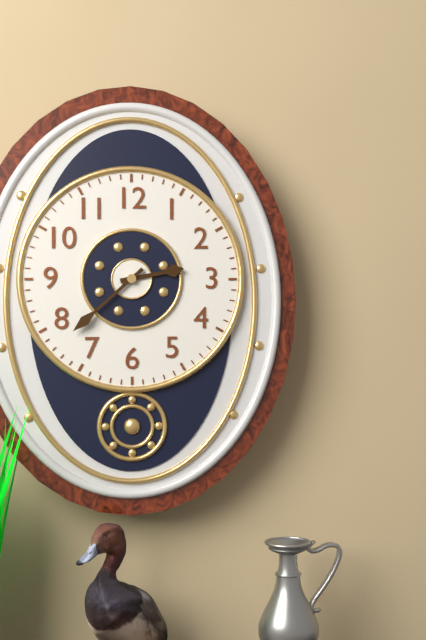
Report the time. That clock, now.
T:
2:38
